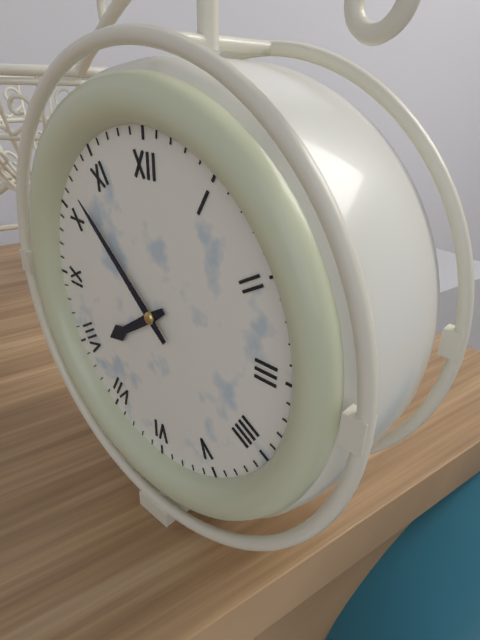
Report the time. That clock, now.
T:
7:52
